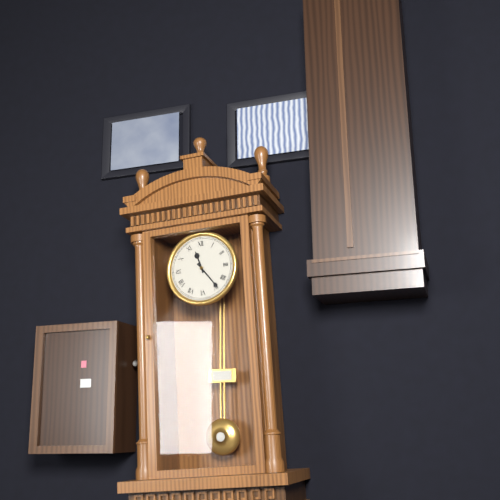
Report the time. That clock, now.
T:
11:24
